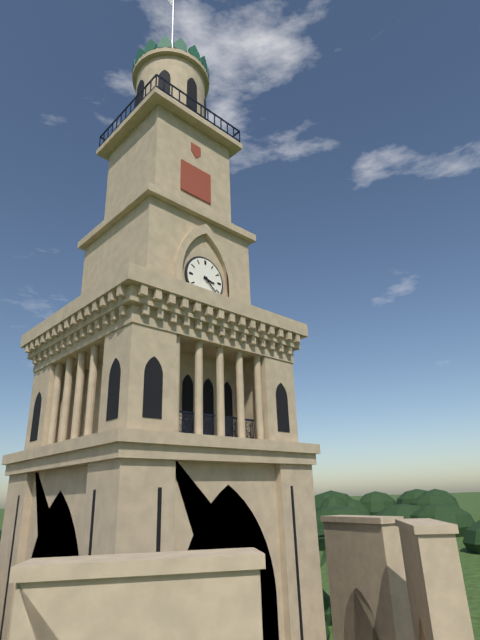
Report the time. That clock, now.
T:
3:22
